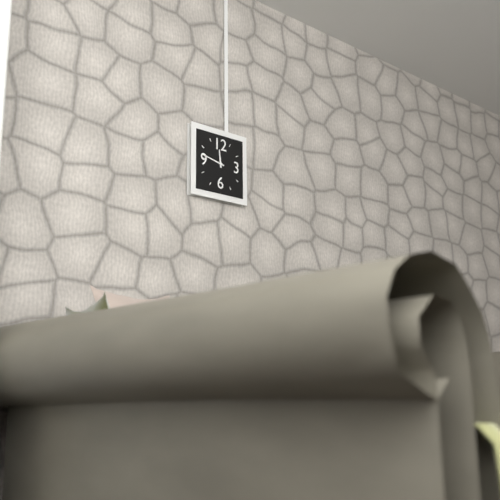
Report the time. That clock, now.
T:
11:47
